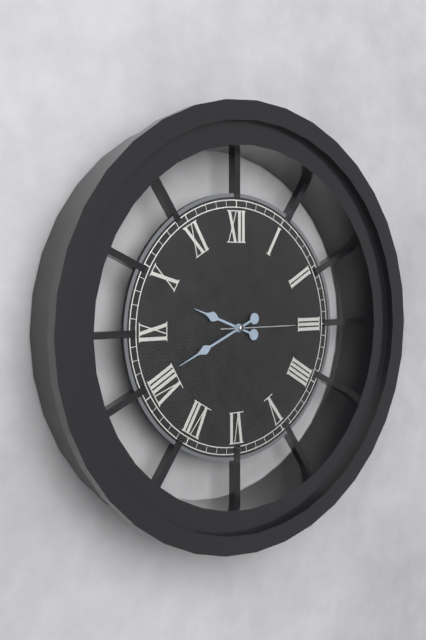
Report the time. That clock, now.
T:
9:41:15
